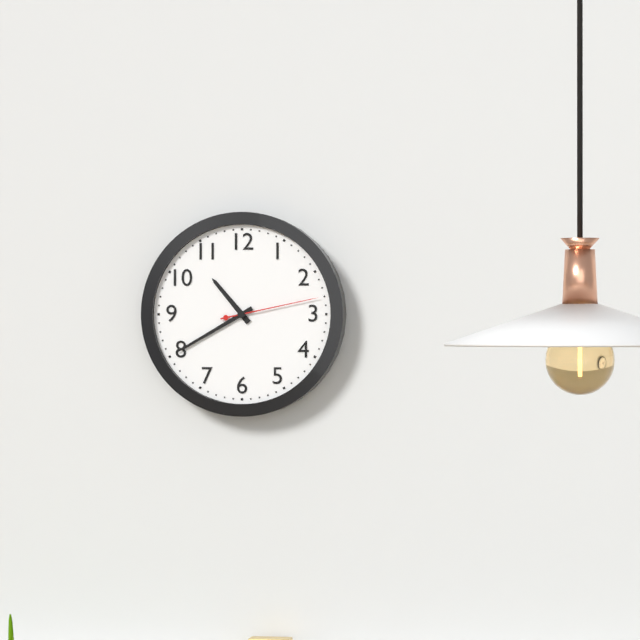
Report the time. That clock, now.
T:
10:40:13
